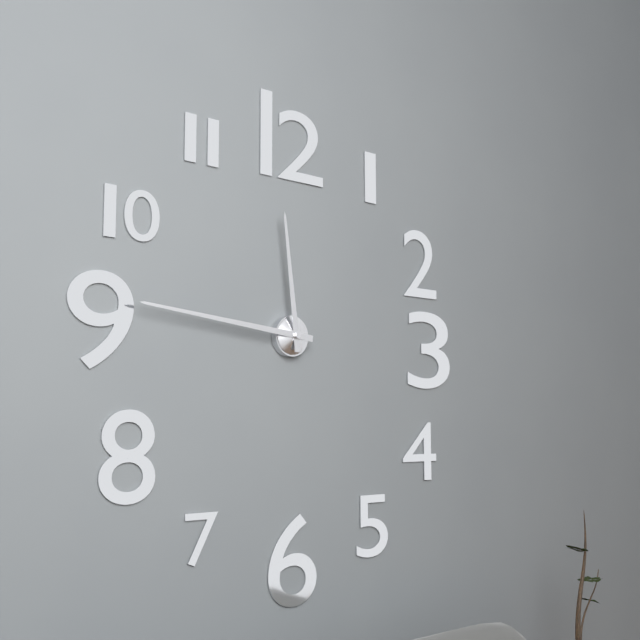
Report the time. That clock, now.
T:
11:46
